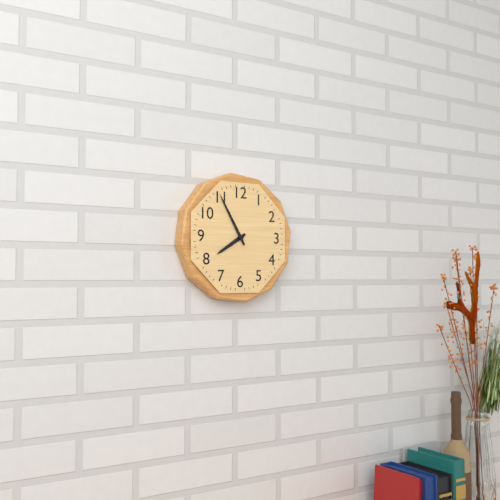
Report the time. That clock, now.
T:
7:55
